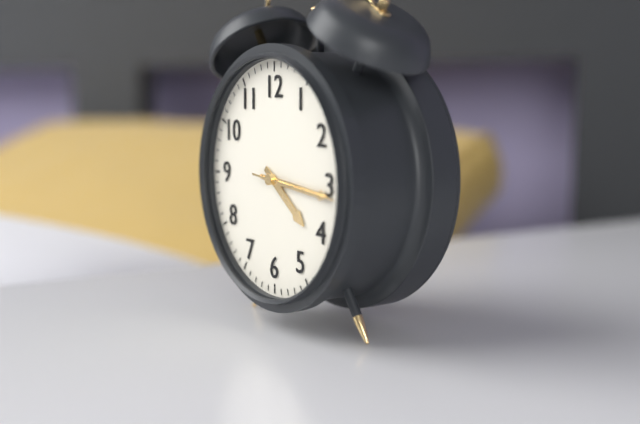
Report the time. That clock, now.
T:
4:16:16
